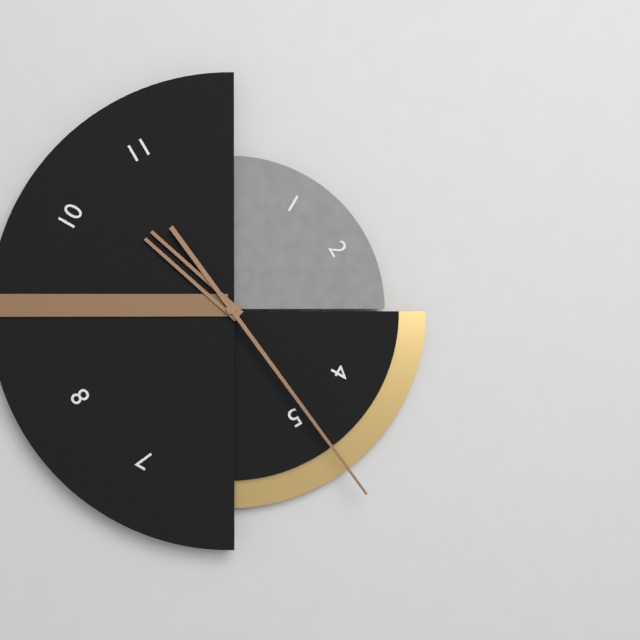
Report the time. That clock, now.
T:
10:24
